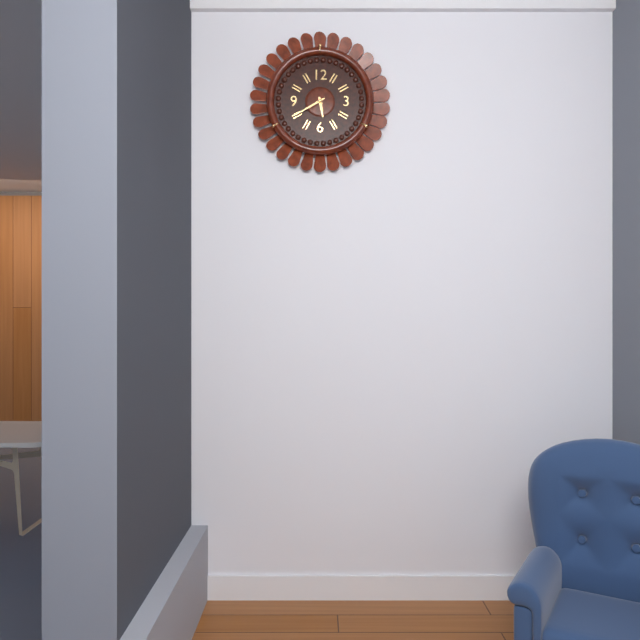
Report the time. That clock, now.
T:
5:40
